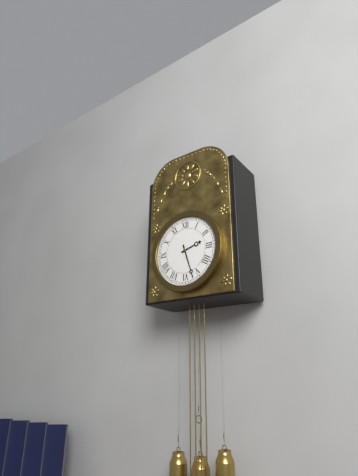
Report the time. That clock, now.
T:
2:27
